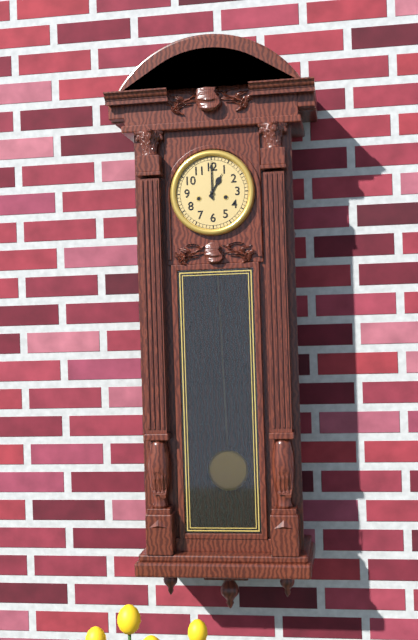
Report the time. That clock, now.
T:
1:00
